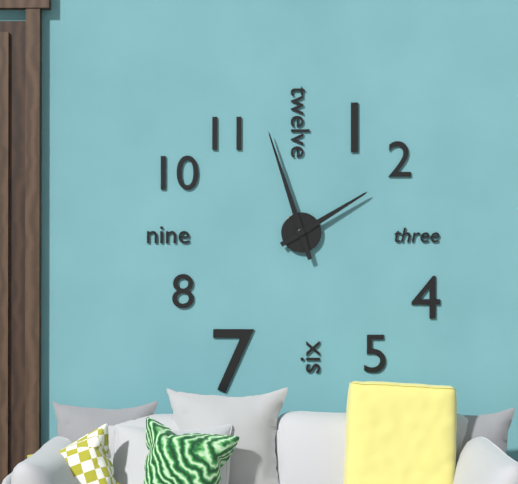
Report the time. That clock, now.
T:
1:57
